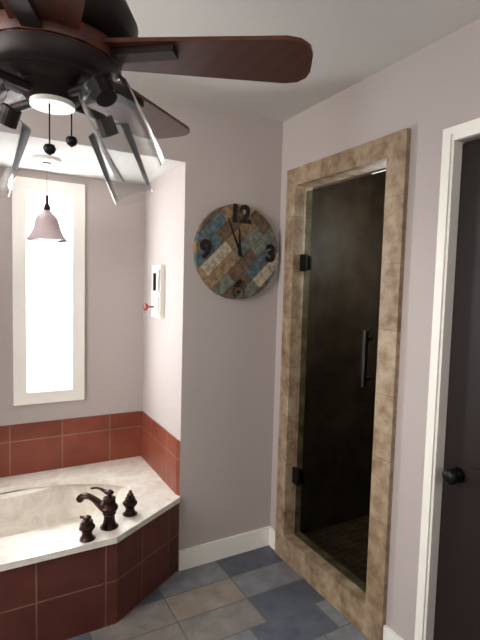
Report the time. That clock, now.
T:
11:56
